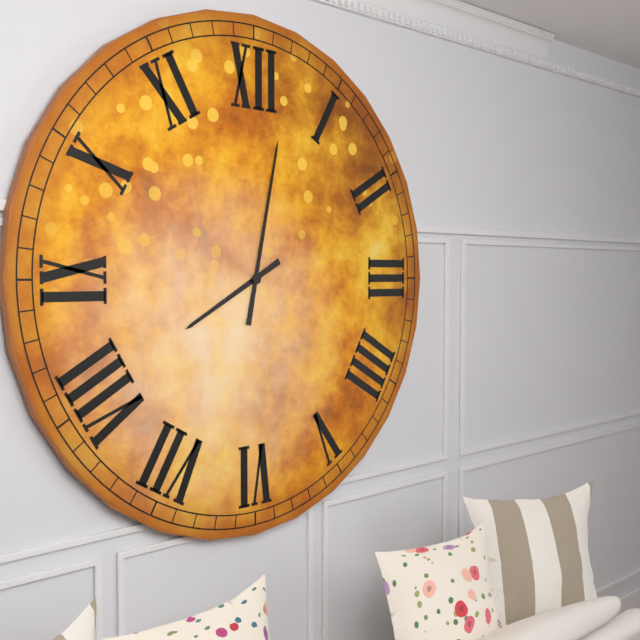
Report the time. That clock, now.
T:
8:02
